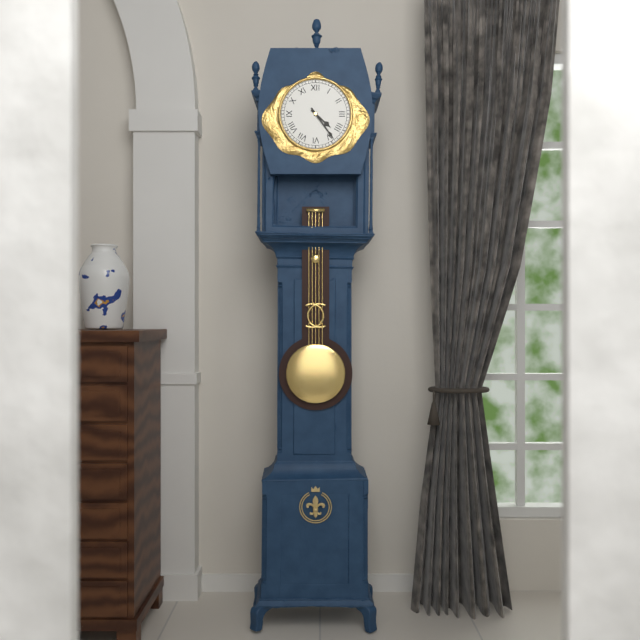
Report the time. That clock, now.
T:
4:24
